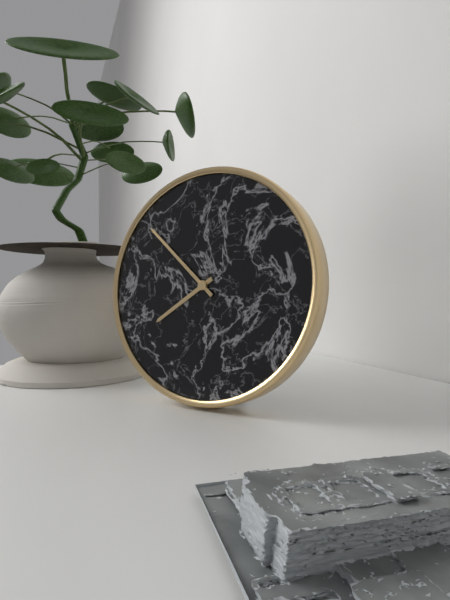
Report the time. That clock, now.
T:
7:52
